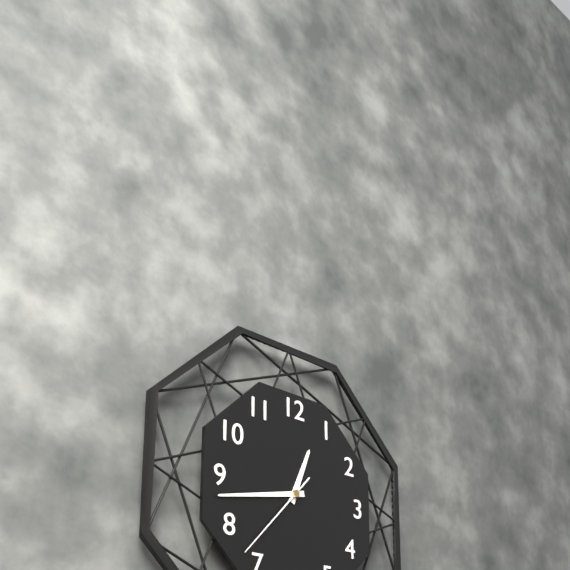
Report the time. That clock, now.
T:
12:43:37
